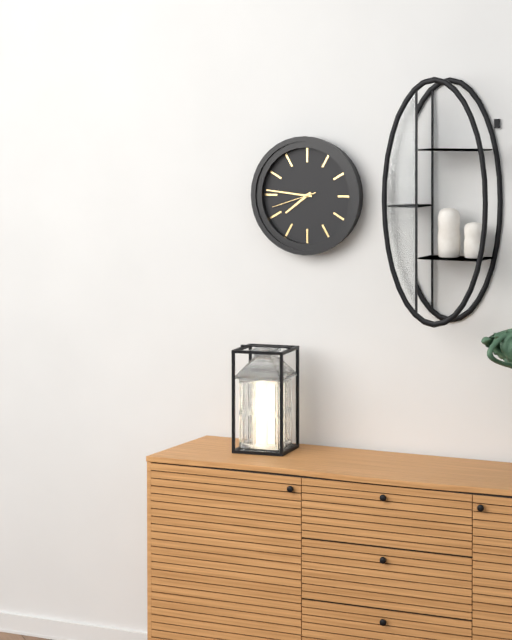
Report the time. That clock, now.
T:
7:46
